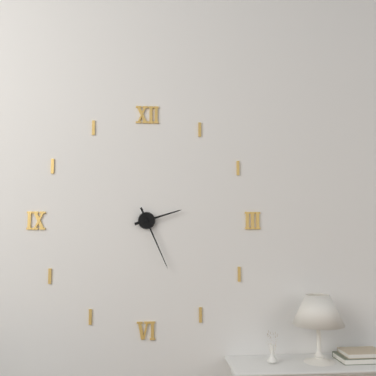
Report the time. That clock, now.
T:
2:26
